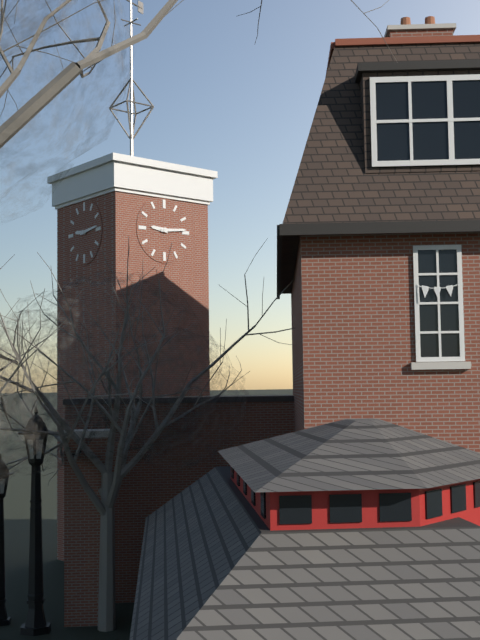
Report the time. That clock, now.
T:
9:14
